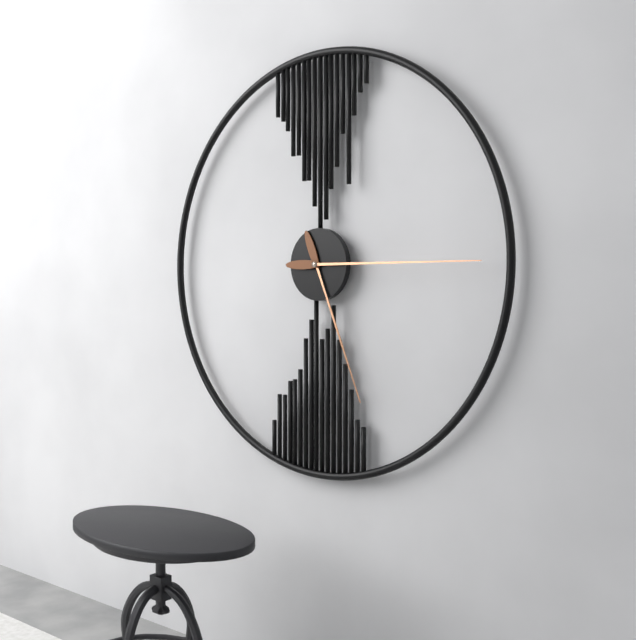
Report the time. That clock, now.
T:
5:15
